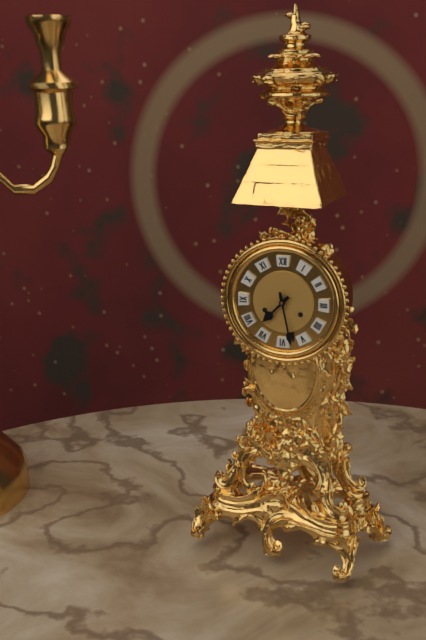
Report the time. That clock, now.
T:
7:28
